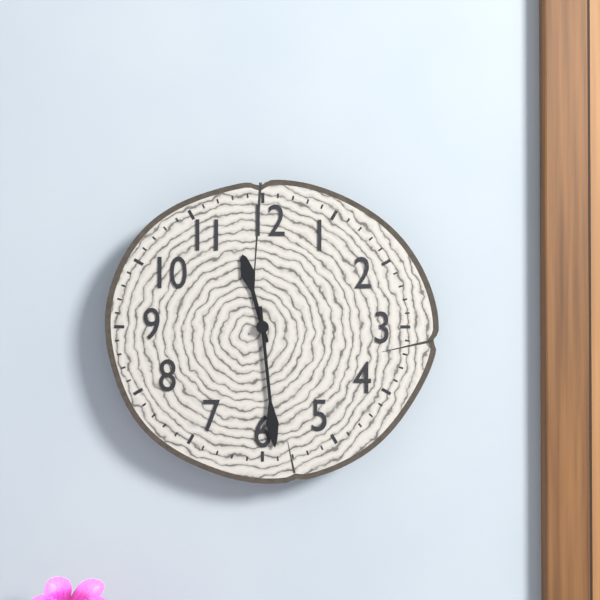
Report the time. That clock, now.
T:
11:29
